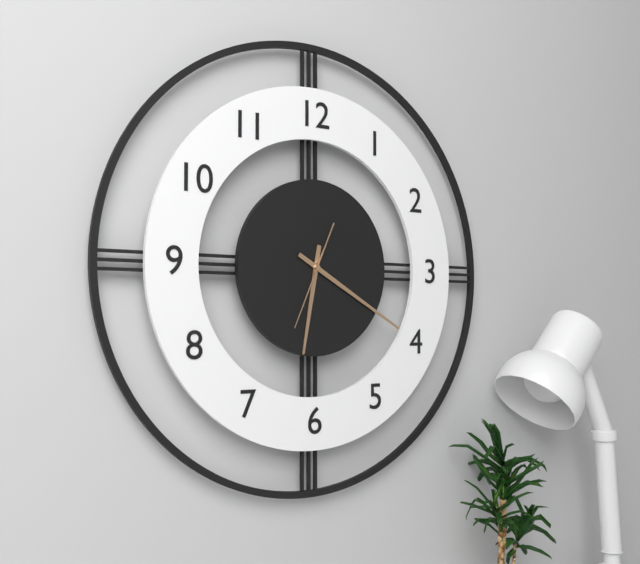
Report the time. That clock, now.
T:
6:20:34
